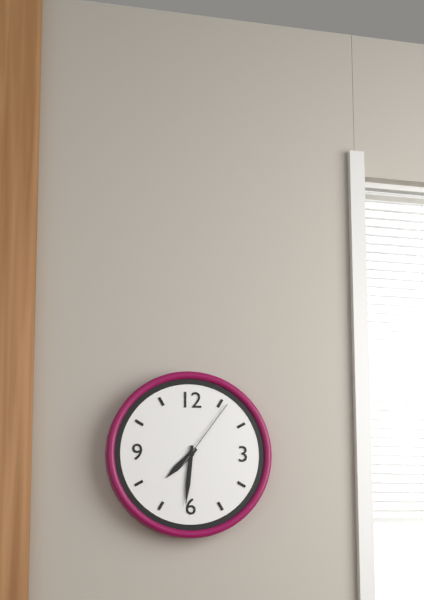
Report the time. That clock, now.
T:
7:31:06
